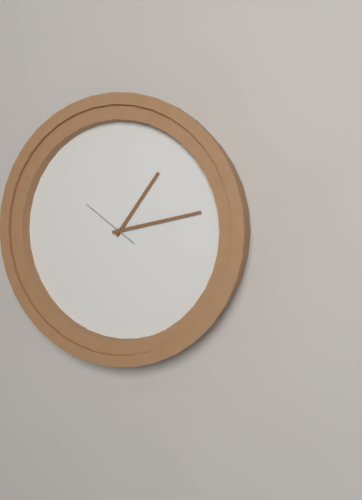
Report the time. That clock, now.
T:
1:13:51
